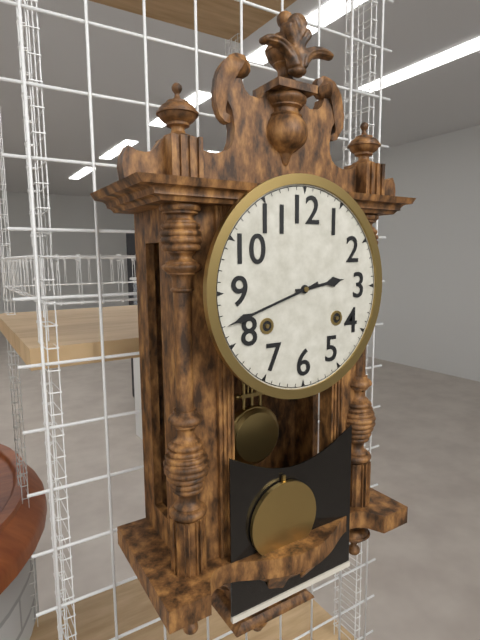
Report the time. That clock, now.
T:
2:42
